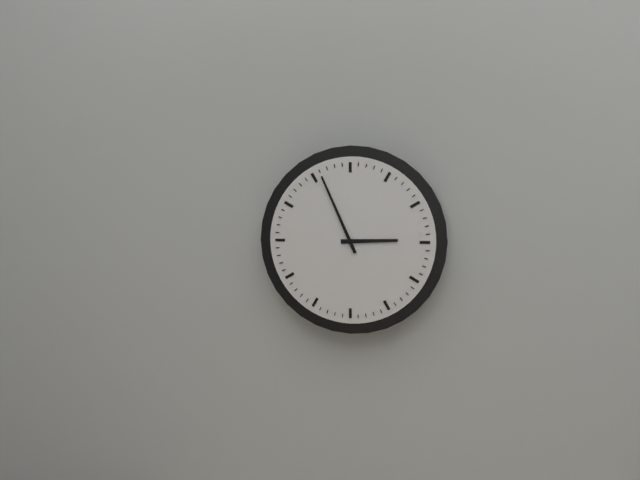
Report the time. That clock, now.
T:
2:56
